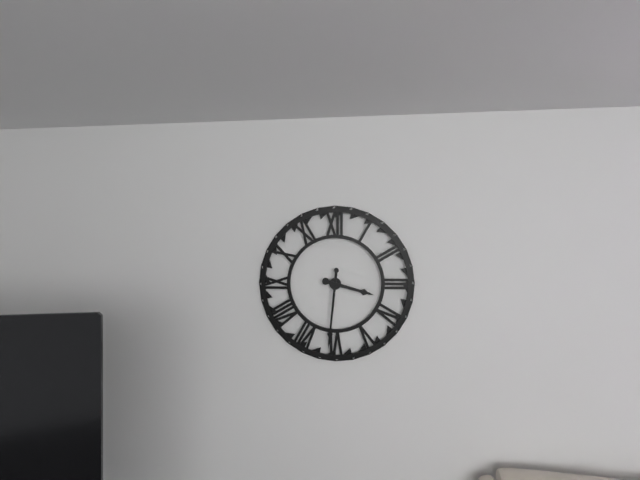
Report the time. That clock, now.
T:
3:31
